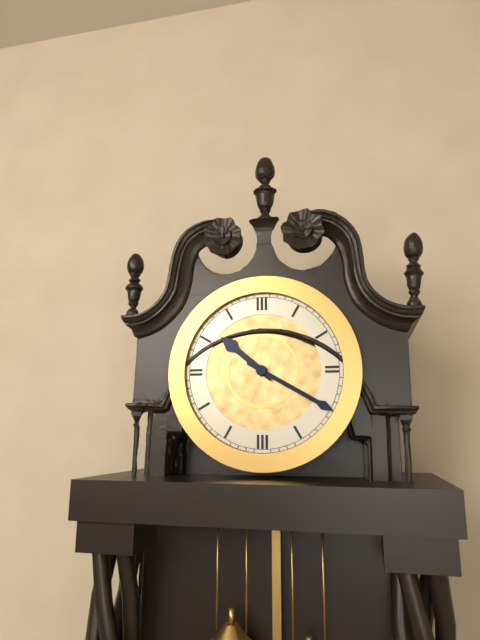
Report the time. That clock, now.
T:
10:20
